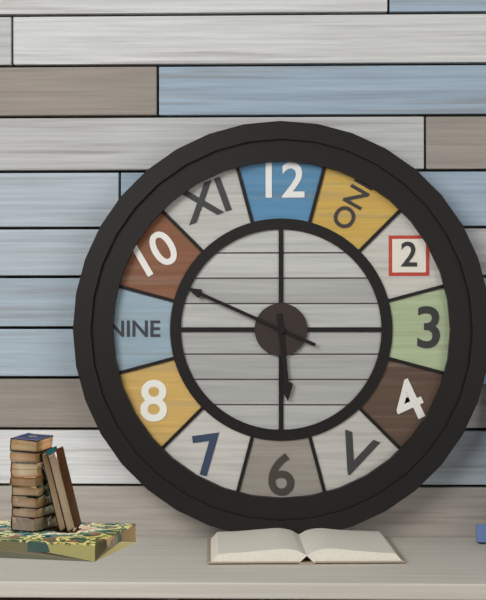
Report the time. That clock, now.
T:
5:49
